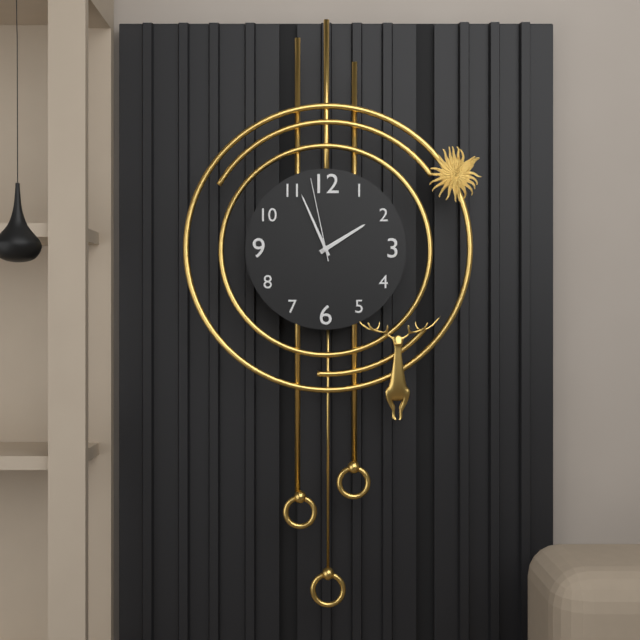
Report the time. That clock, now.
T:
1:56:58
